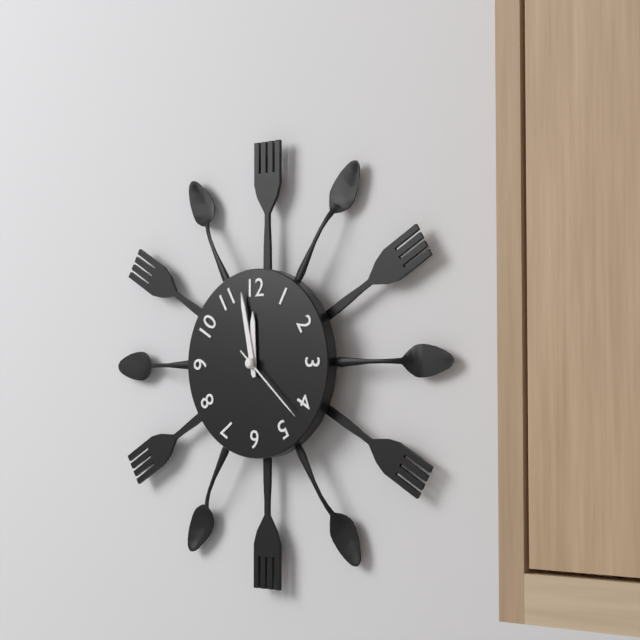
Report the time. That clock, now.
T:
11:58:22
